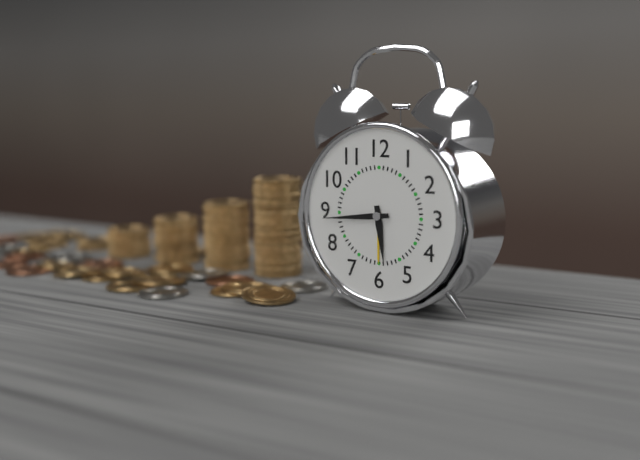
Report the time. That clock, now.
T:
5:44
